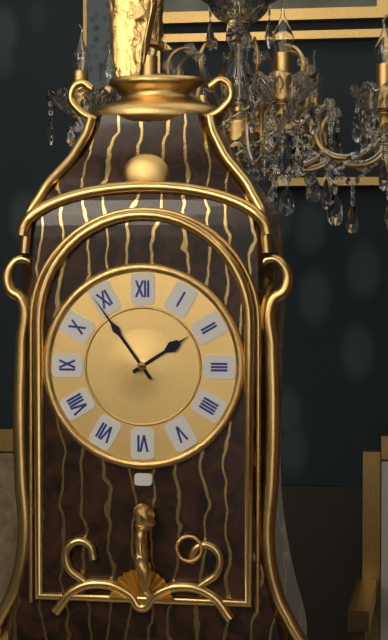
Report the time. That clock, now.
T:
1:54
